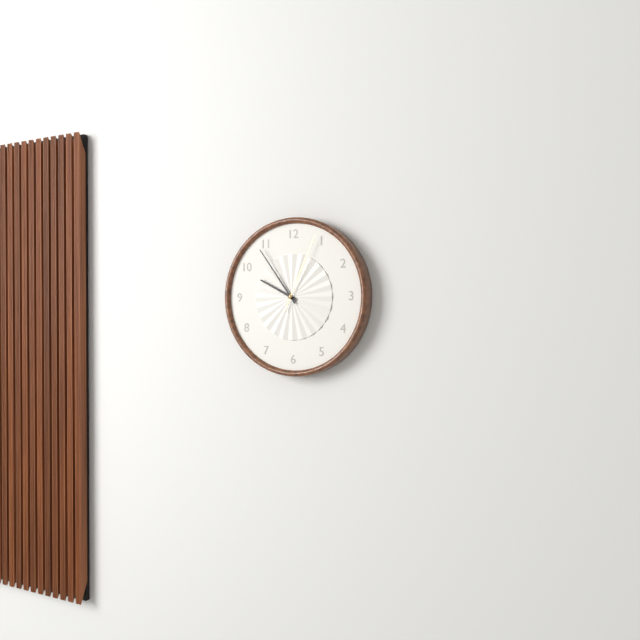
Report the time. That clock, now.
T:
9:54:04
